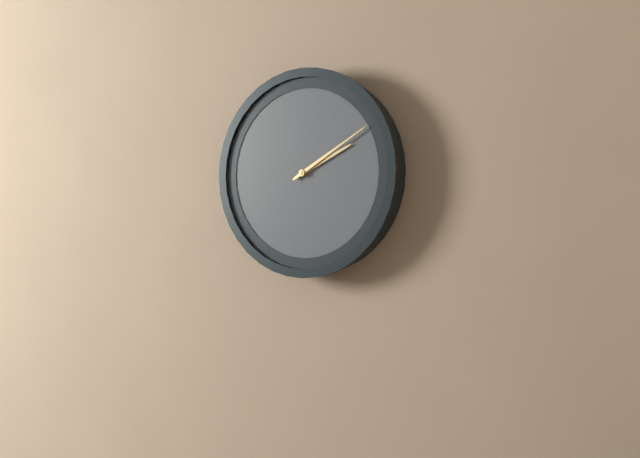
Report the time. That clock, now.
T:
2:10
